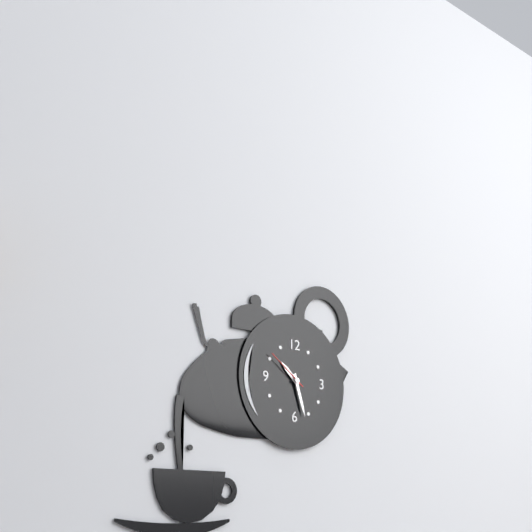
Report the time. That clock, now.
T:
10:27
